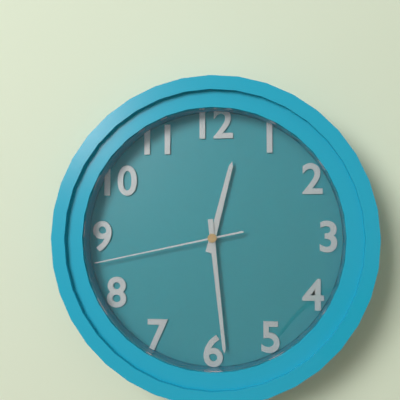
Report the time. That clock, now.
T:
12:29:43
